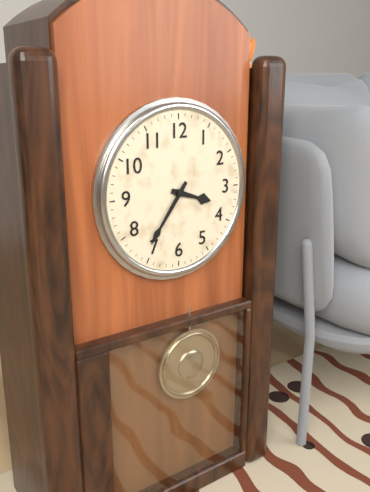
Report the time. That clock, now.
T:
3:36
